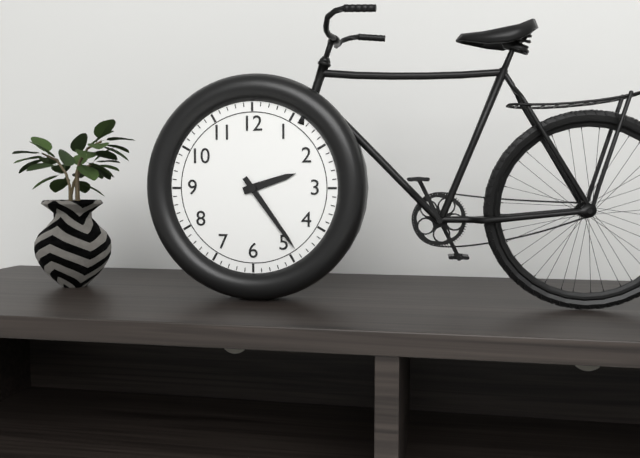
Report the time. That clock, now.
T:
2:24
